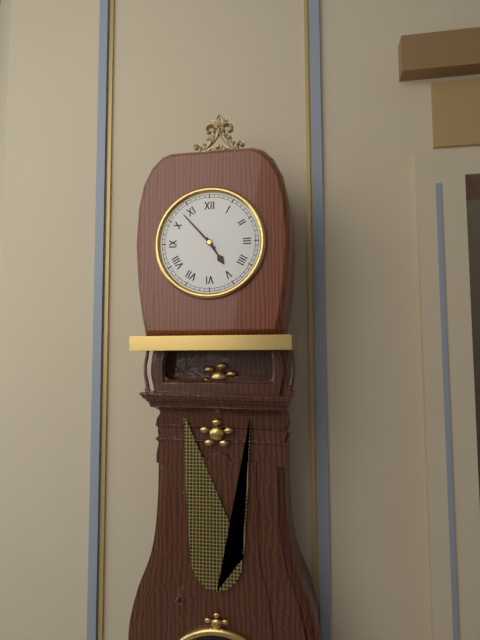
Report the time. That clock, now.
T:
4:53
